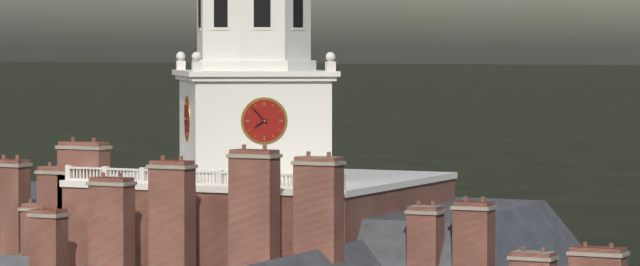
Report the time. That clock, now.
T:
7:53
